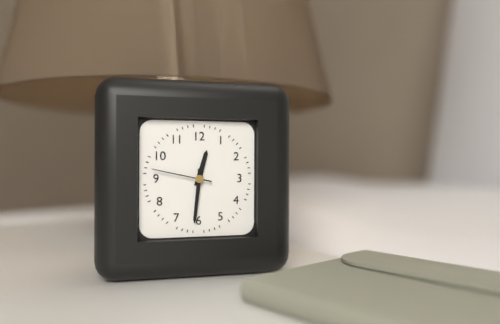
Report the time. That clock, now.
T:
12:31:47
